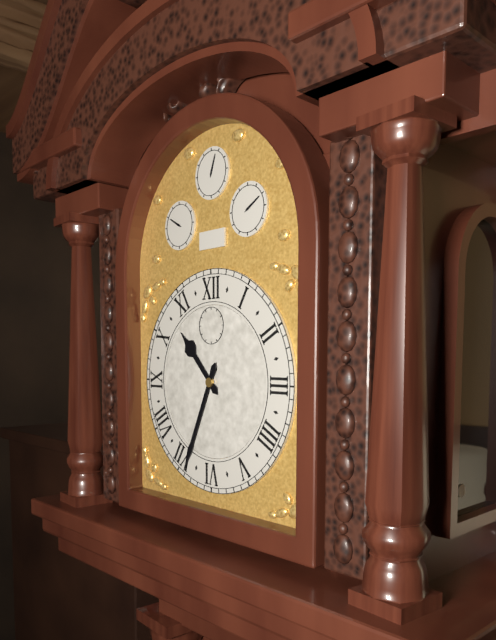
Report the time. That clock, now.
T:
10:34
